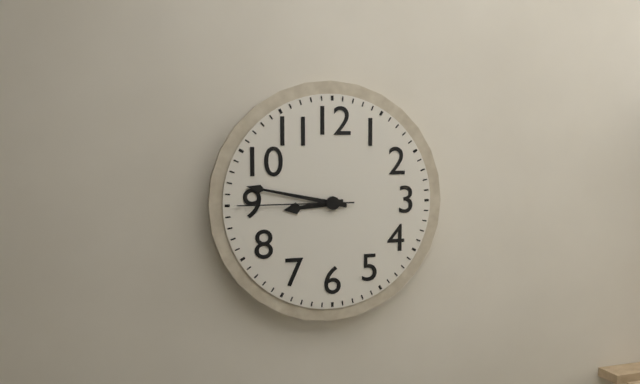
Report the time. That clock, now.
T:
8:47:45
